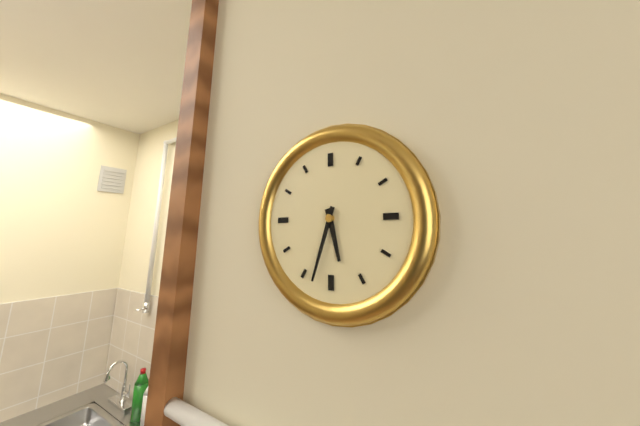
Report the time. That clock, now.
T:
5:33
